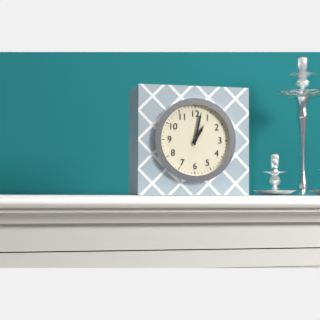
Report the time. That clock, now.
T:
1:02
